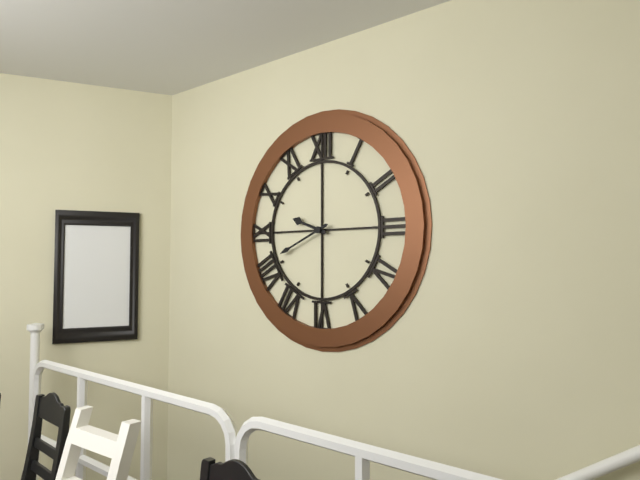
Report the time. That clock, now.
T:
9:41
